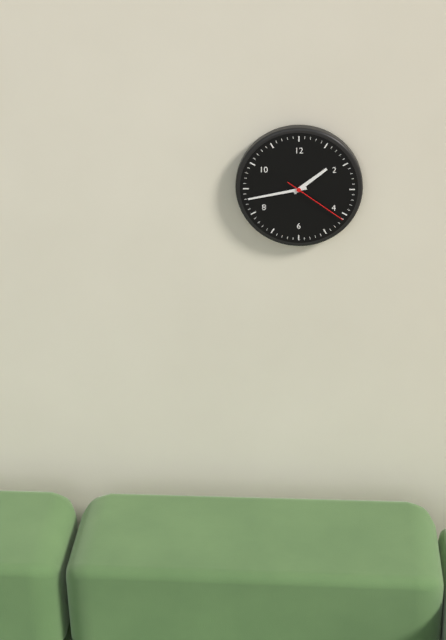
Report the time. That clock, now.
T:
1:43:21
